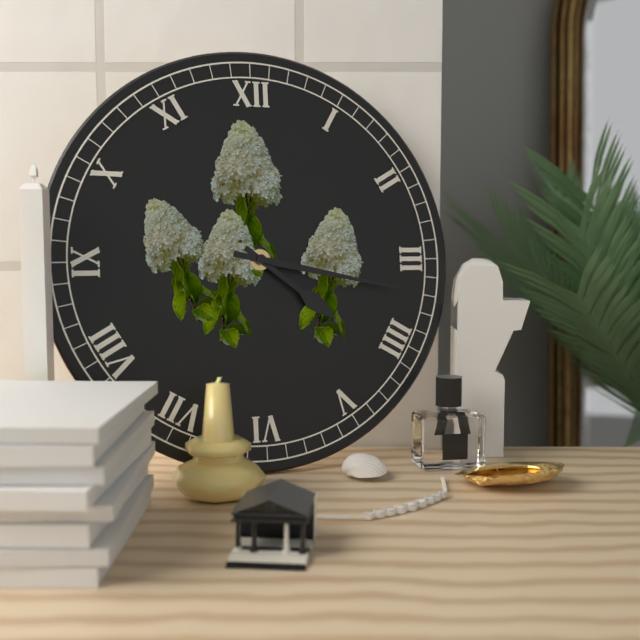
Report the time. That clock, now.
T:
4:17
